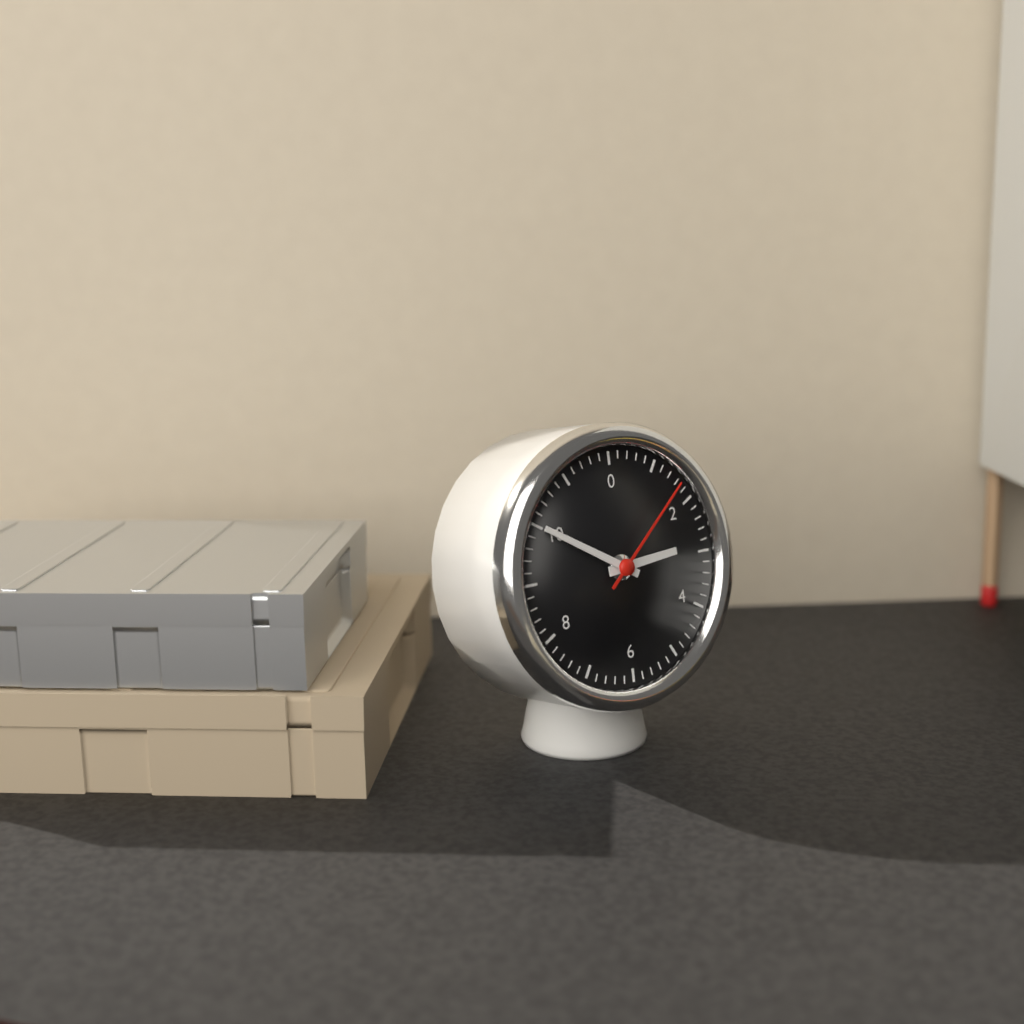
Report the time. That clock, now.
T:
2:50:08
